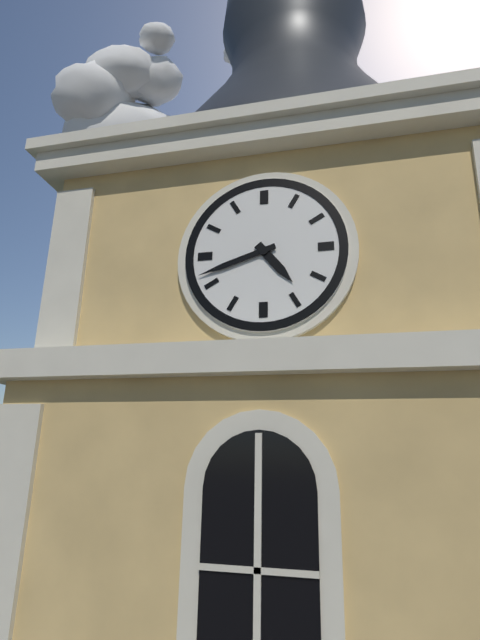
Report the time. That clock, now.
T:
4:42
